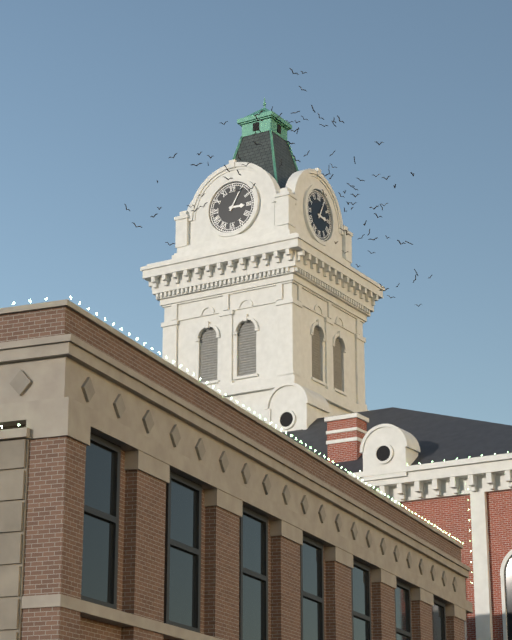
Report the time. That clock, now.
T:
3:05
